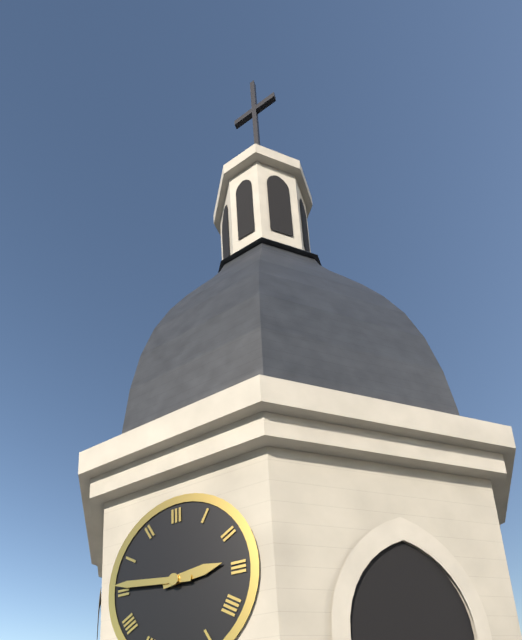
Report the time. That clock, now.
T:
2:46
